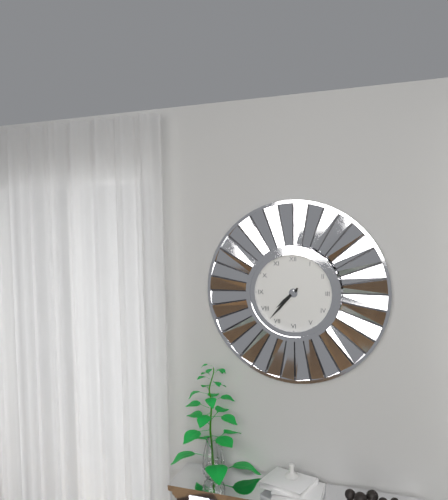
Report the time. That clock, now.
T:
7:37
